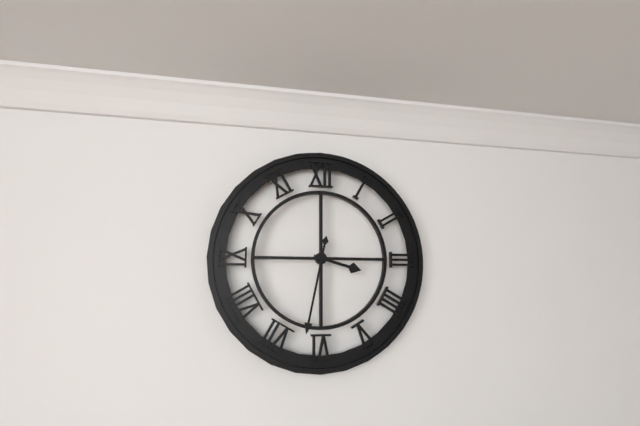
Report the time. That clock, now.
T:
3:32
